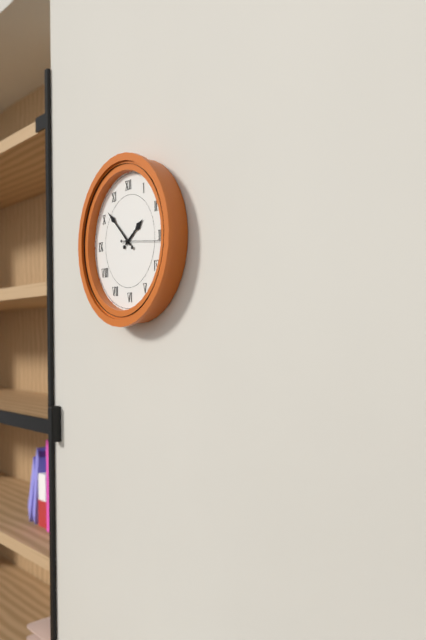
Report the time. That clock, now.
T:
1:52
